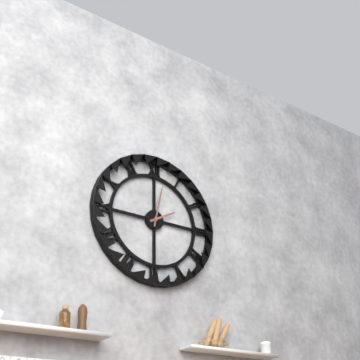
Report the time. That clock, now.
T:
2:02
